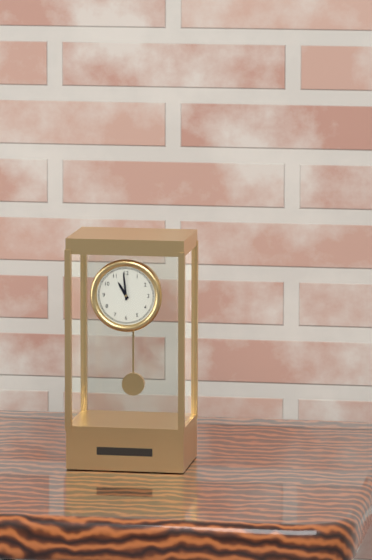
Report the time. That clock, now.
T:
10:59
